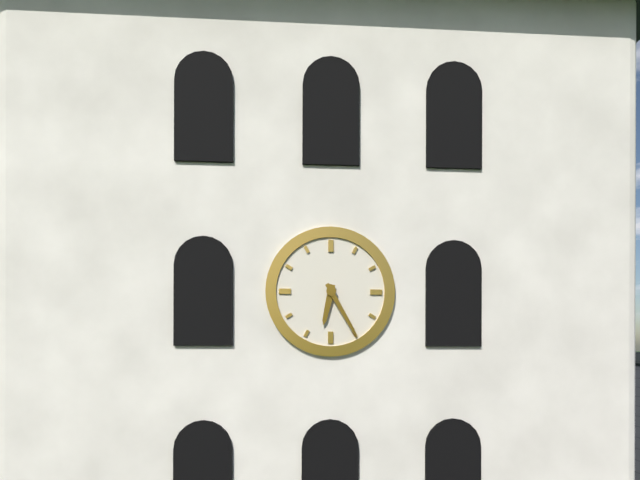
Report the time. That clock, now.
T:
6:25
